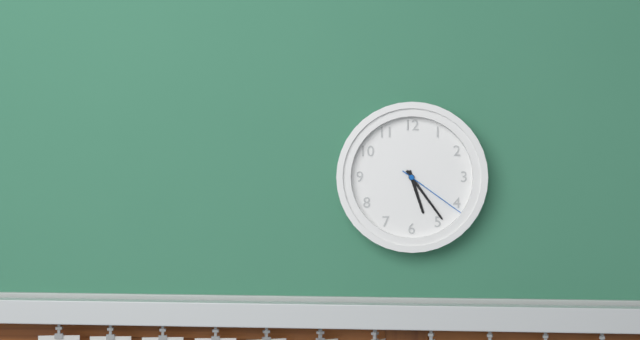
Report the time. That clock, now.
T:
5:24:21
